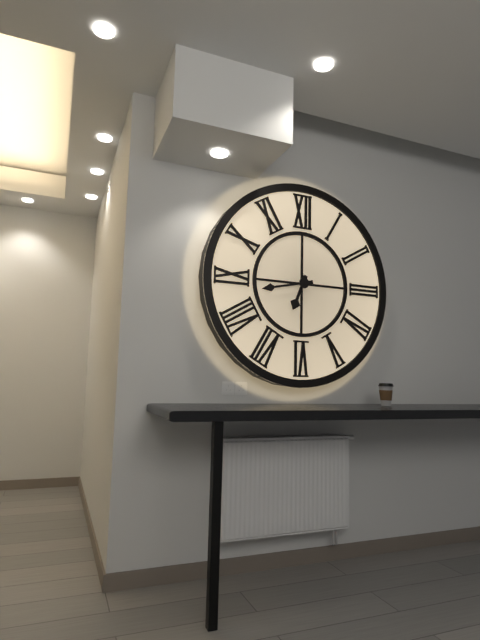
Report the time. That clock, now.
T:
6:43
